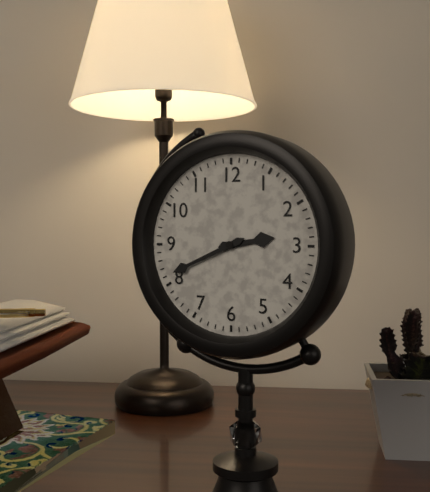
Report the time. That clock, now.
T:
2:41
